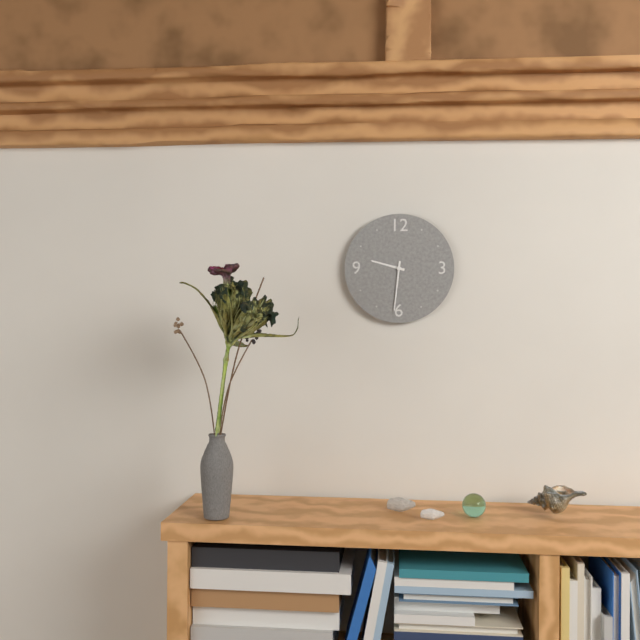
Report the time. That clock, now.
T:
9:31
